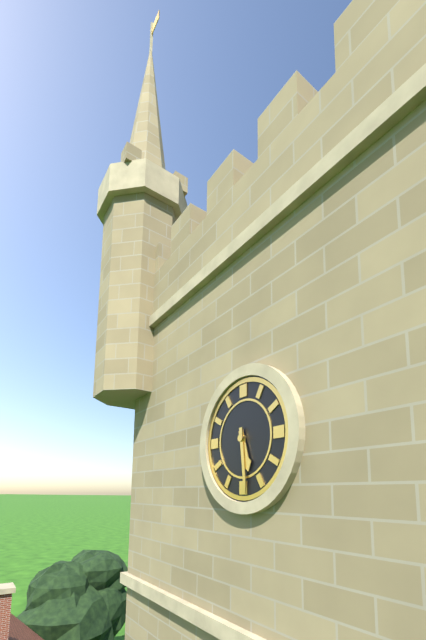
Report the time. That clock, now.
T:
5:29
